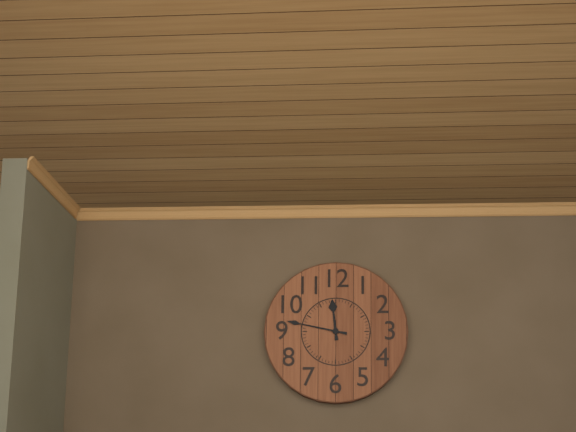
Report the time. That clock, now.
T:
11:47
